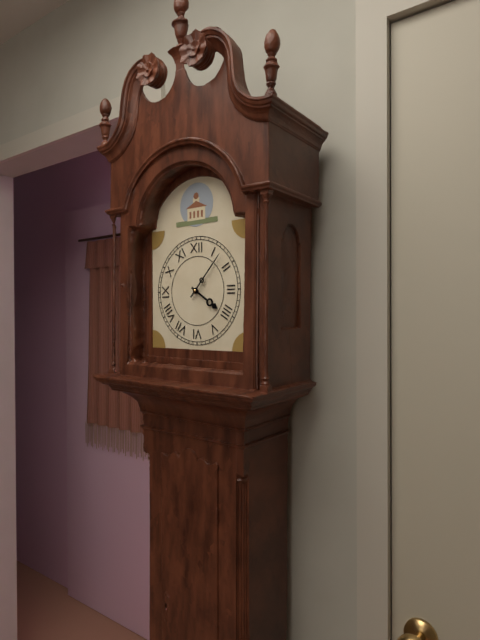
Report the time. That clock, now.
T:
4:07
